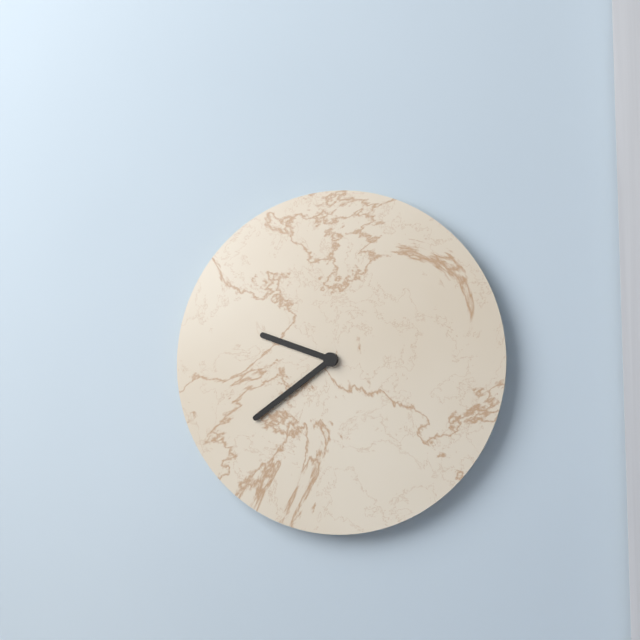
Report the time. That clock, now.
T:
9:39
